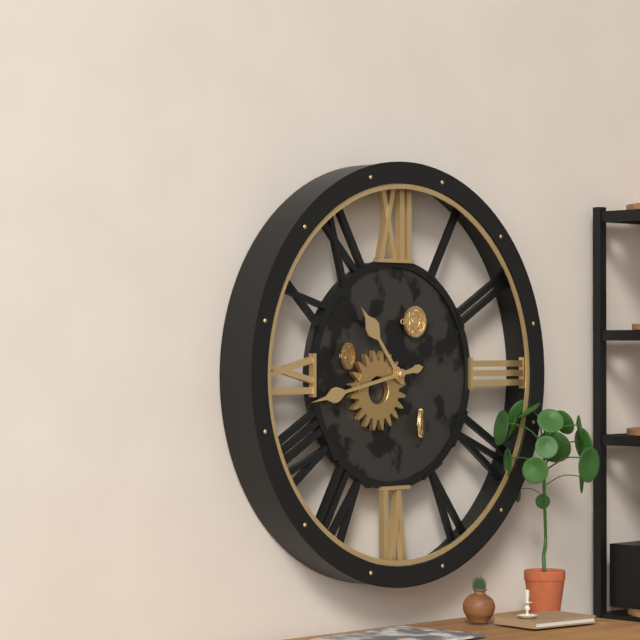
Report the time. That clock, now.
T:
10:43
